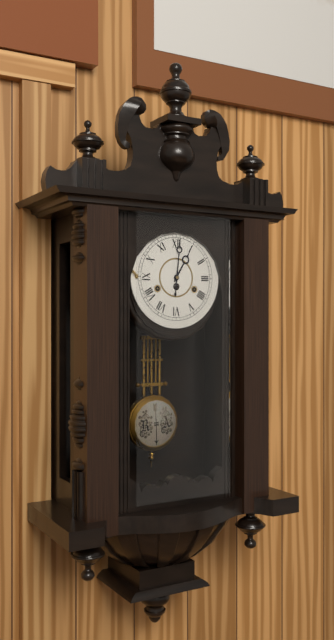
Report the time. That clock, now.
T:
1:01
